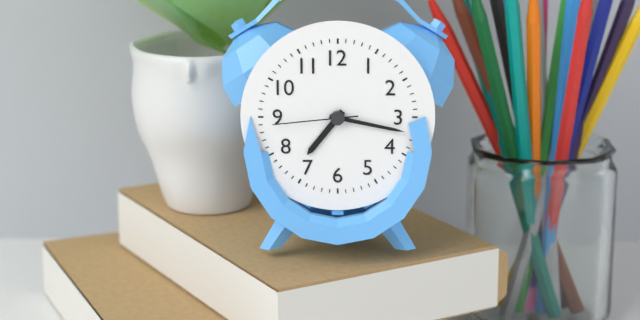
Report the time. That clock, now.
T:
7:17:44
